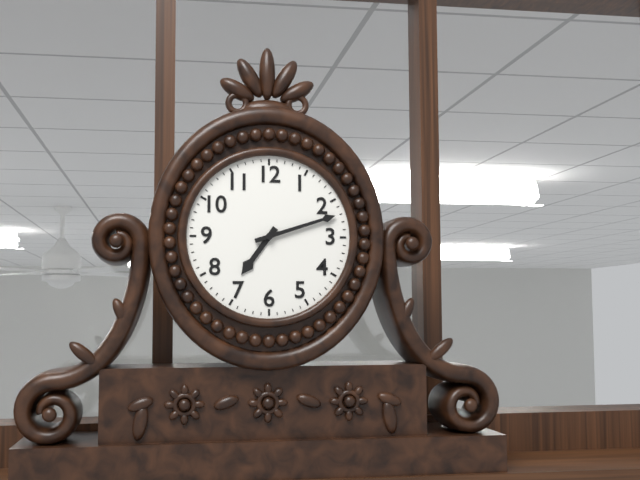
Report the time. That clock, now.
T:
7:12
